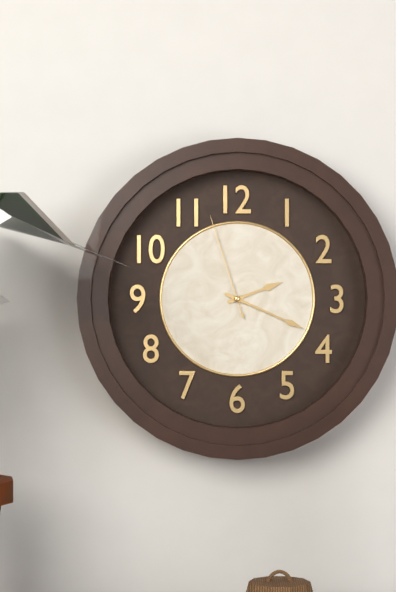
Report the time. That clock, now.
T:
2:19:57
